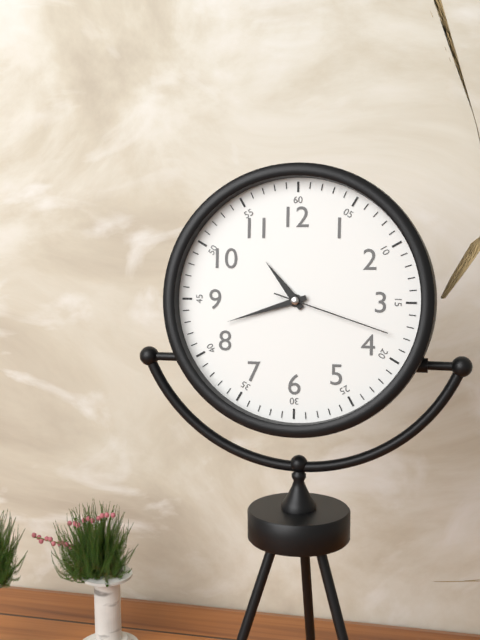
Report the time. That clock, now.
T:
10:42:18
